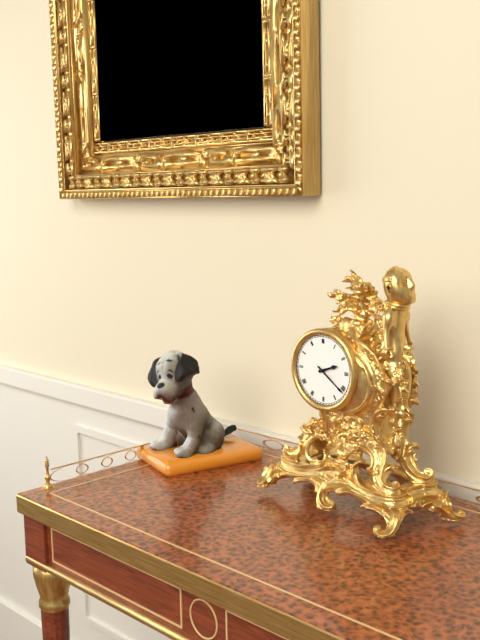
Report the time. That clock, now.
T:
2:21
